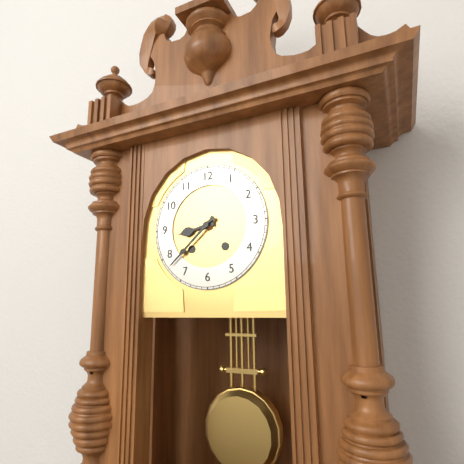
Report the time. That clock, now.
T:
8:38
